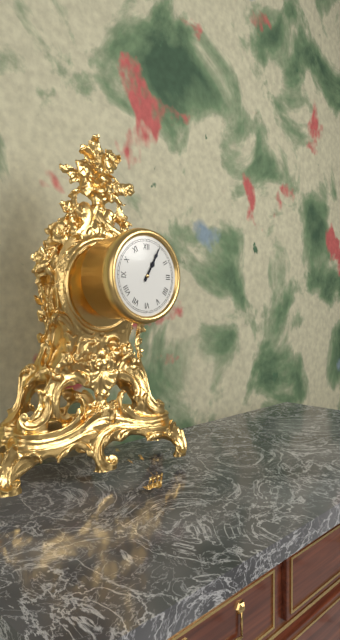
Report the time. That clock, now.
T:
1:05
